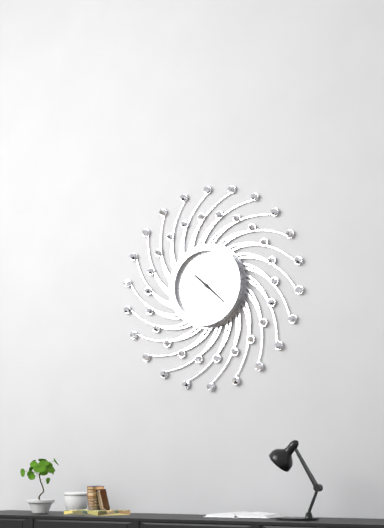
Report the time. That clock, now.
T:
10:22
